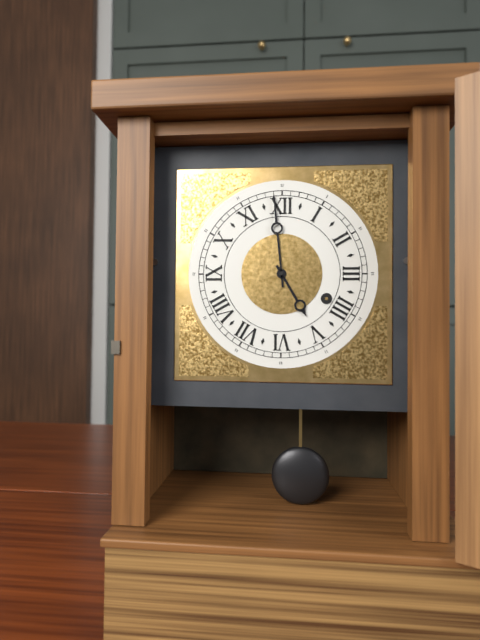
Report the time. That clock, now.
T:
4:59
